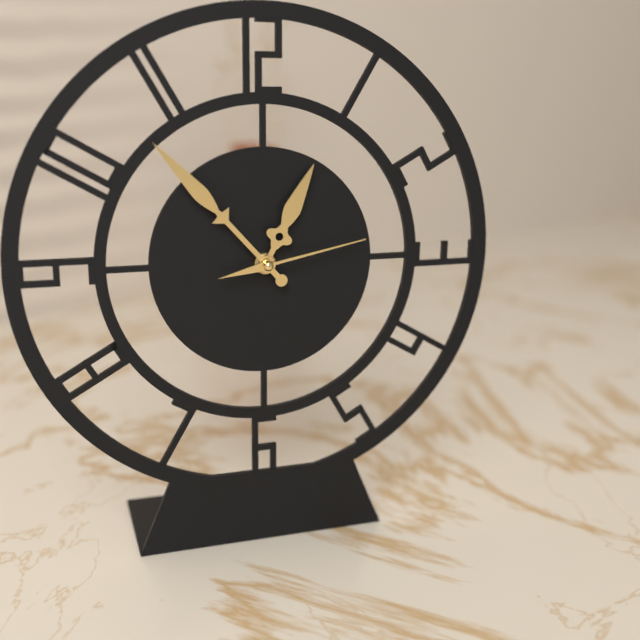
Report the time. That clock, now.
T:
12:53:13
